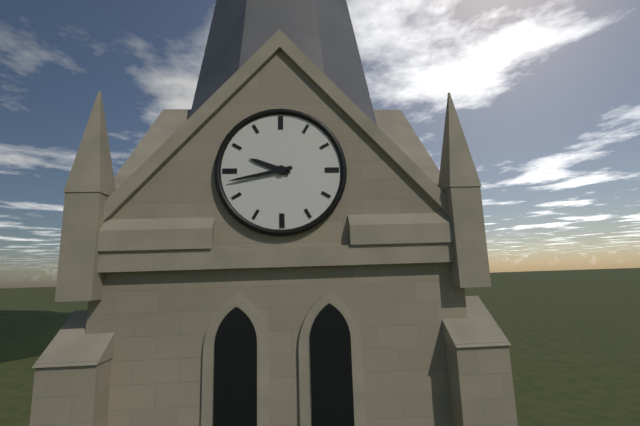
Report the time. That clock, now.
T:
9:43
